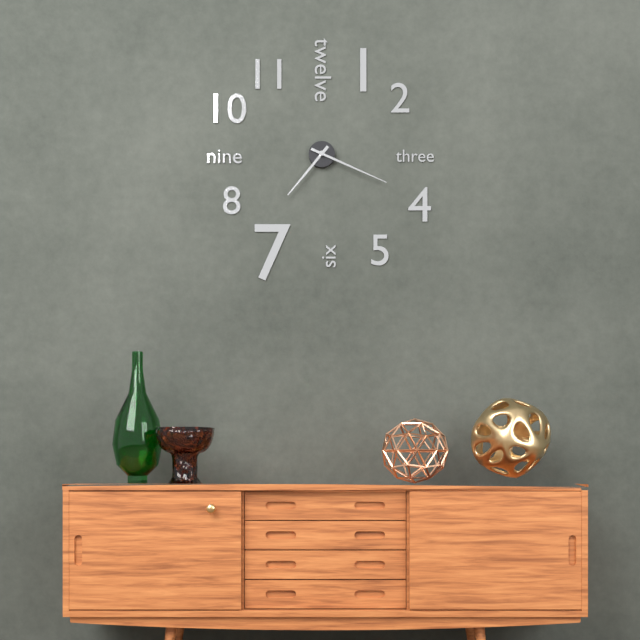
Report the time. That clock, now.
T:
7:19
